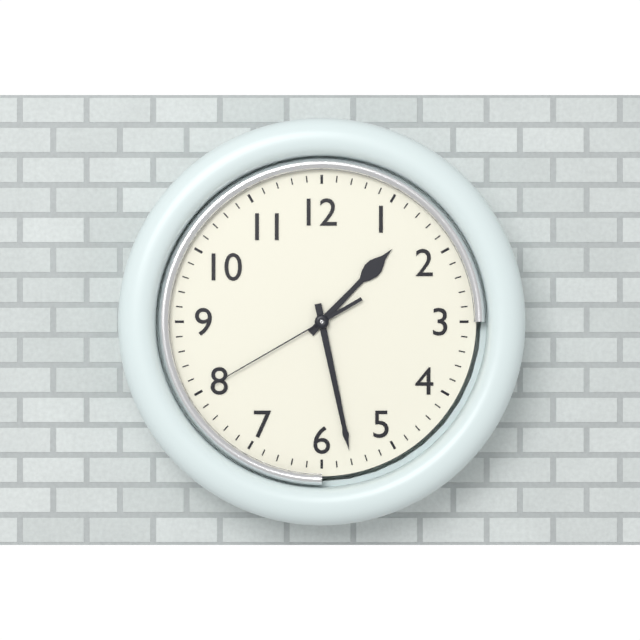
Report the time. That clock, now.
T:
1:28:40
